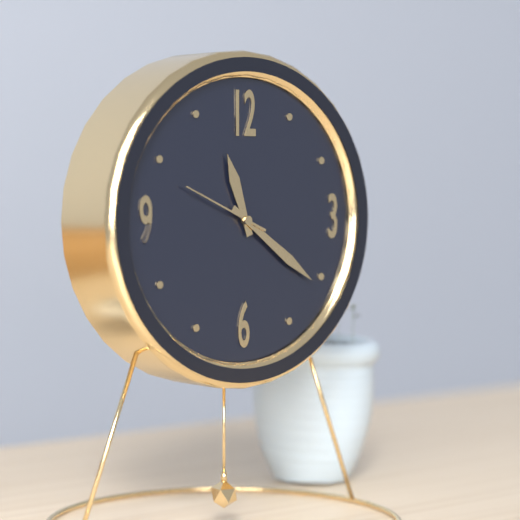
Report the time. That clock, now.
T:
11:21:49
